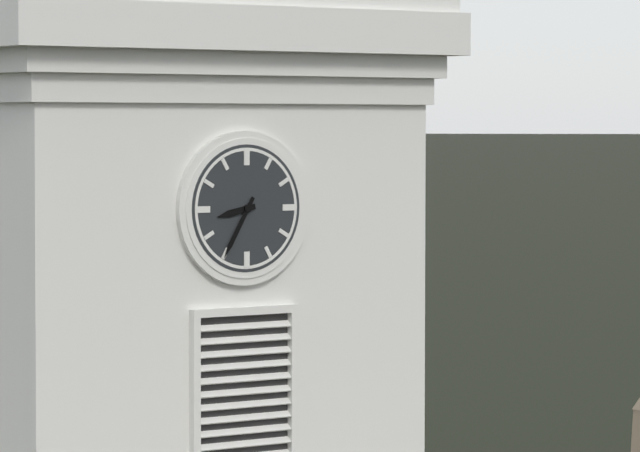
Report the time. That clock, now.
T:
8:35
